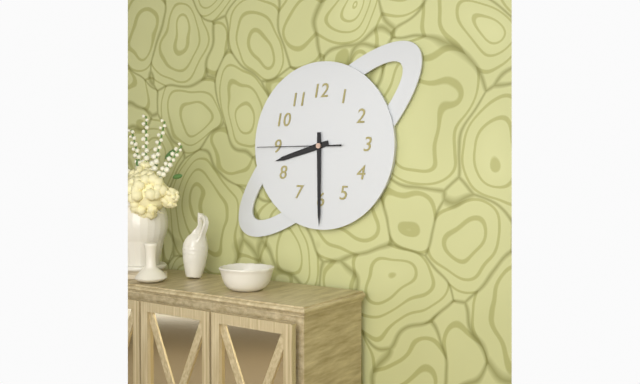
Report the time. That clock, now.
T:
8:30:45
